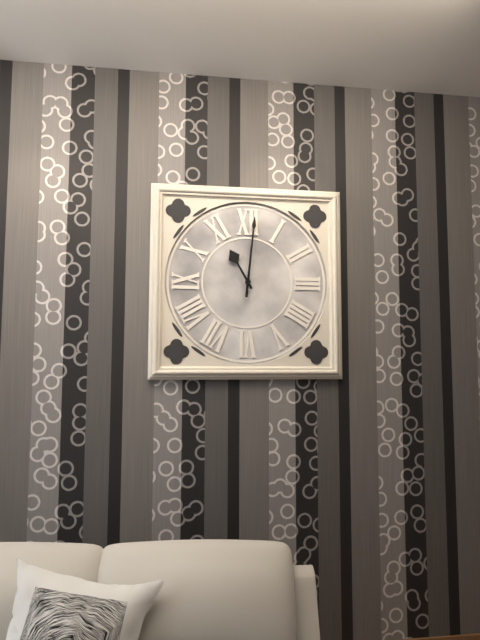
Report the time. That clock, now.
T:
11:01
